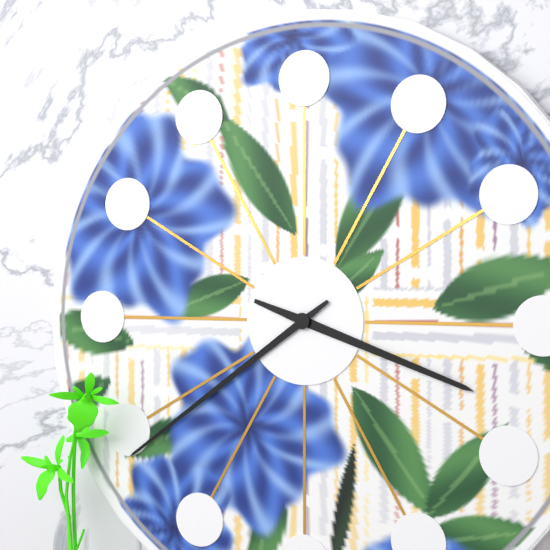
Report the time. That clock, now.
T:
3:39
